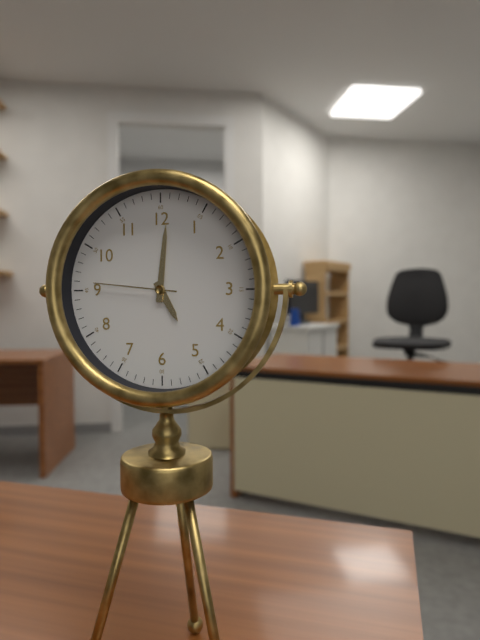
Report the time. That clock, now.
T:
5:01:46
